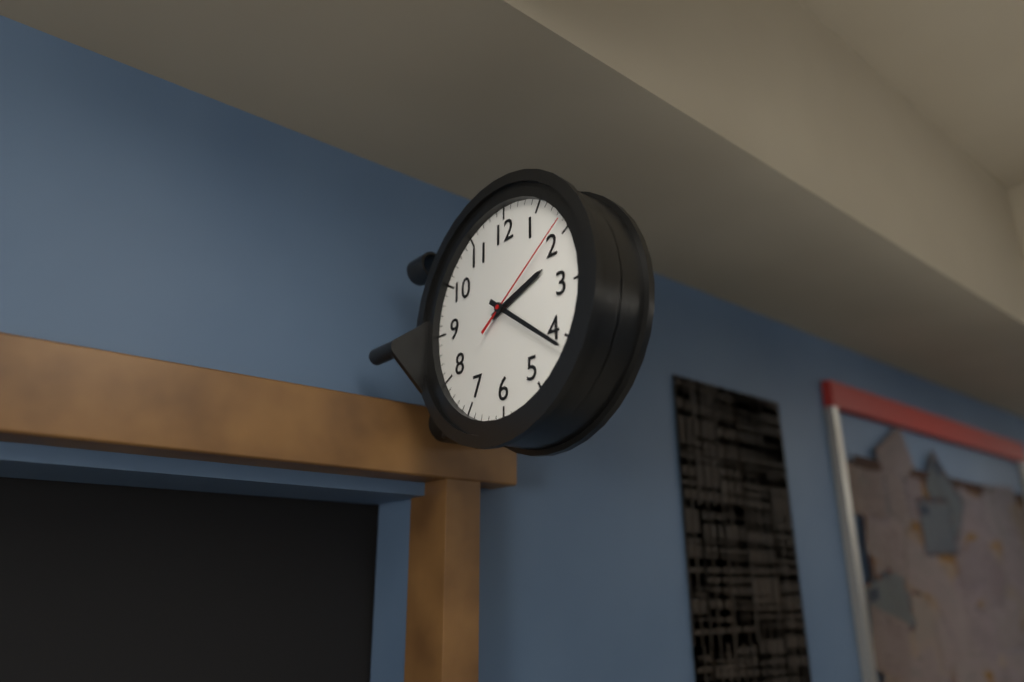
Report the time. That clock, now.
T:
2:21:09
